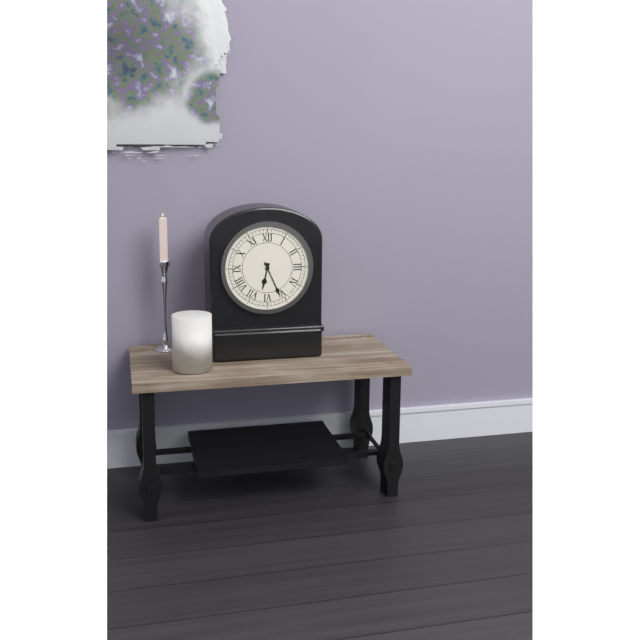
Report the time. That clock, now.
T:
6:26
